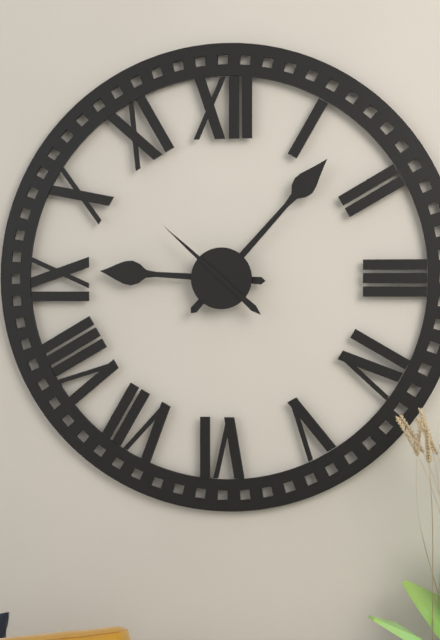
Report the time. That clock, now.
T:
9:07:52
